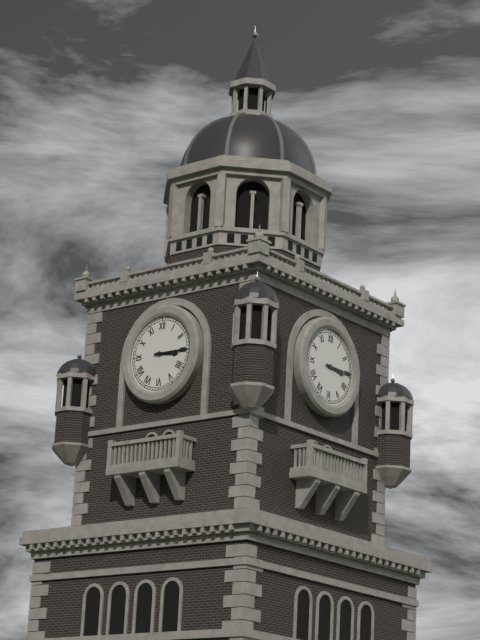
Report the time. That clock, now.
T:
3:15
